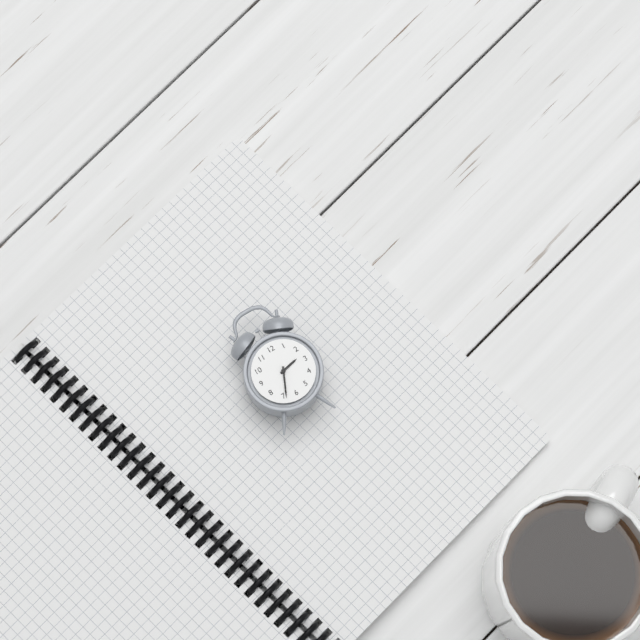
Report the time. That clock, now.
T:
2:34
